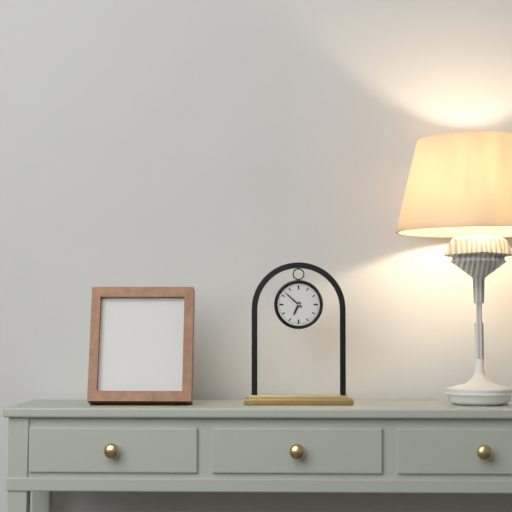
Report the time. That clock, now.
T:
6:52
